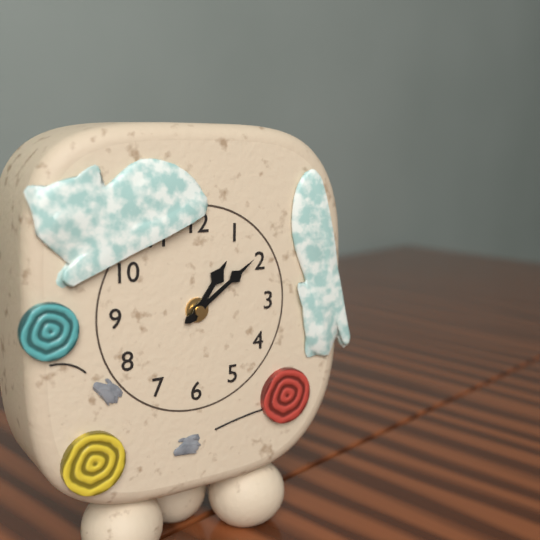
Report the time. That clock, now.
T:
1:09
